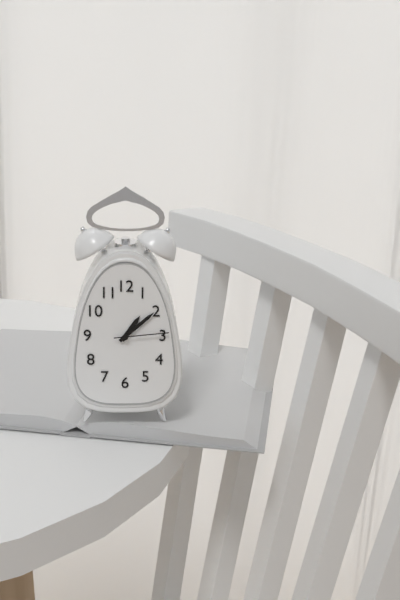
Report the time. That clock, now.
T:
1:08:14
